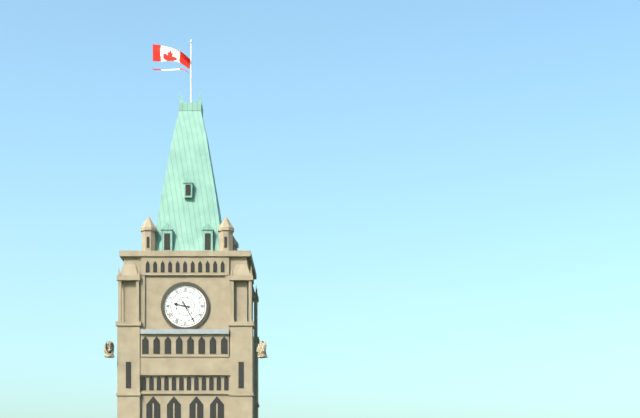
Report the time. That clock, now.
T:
9:25
